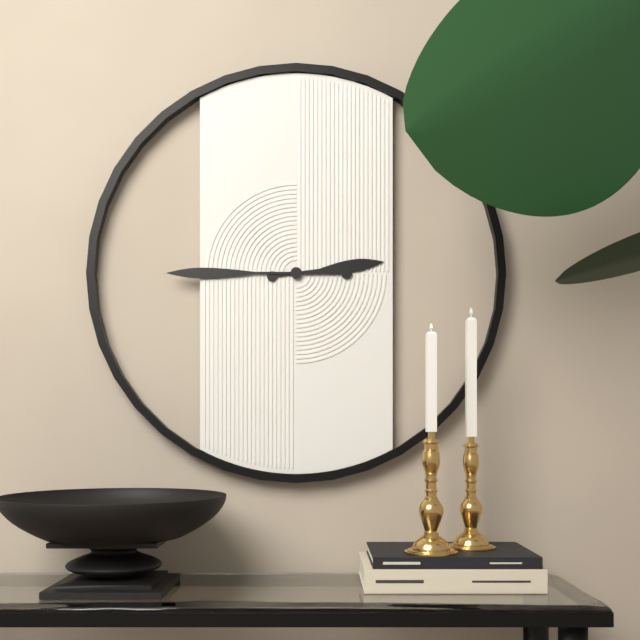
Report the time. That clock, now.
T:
2:45
